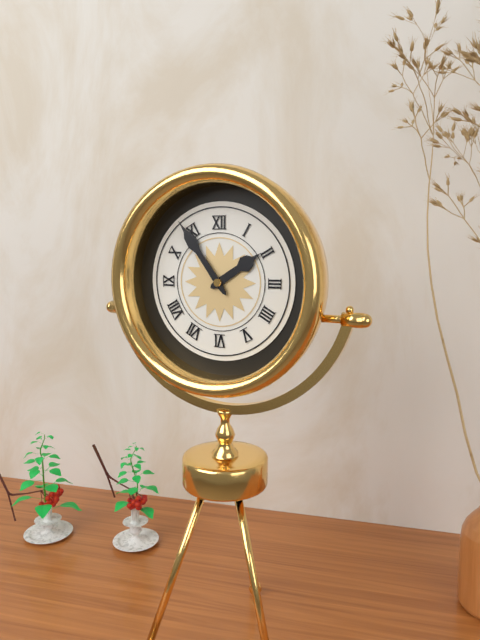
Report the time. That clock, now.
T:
1:54
